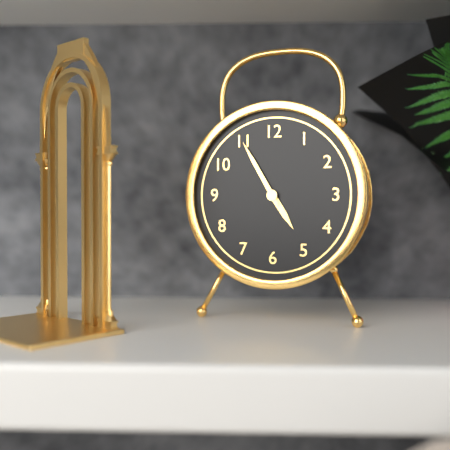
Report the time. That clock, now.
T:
4:55
